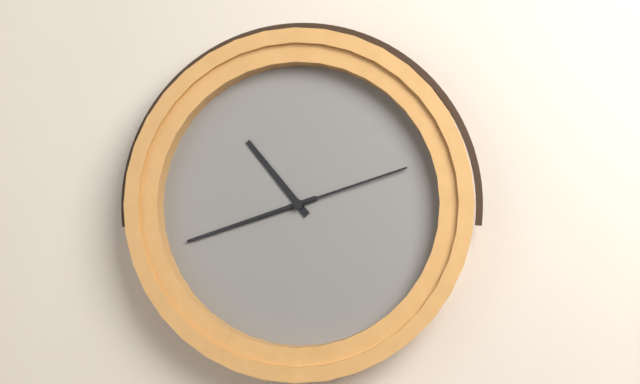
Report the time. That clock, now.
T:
10:42:12
